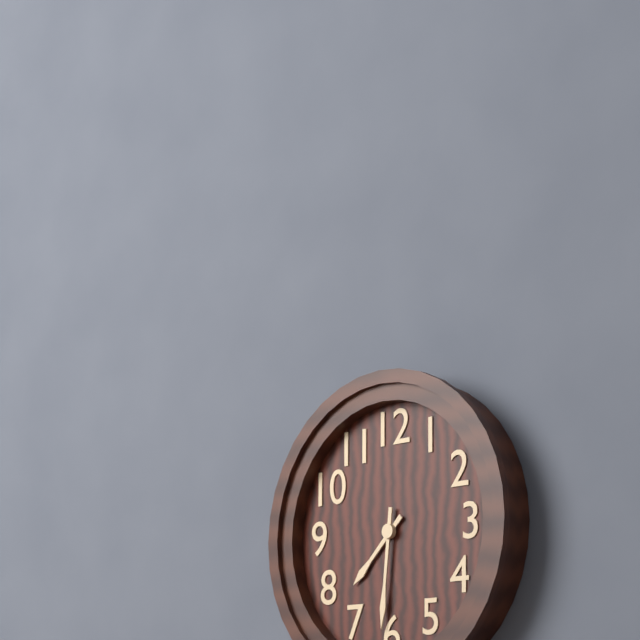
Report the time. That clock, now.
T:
7:31
